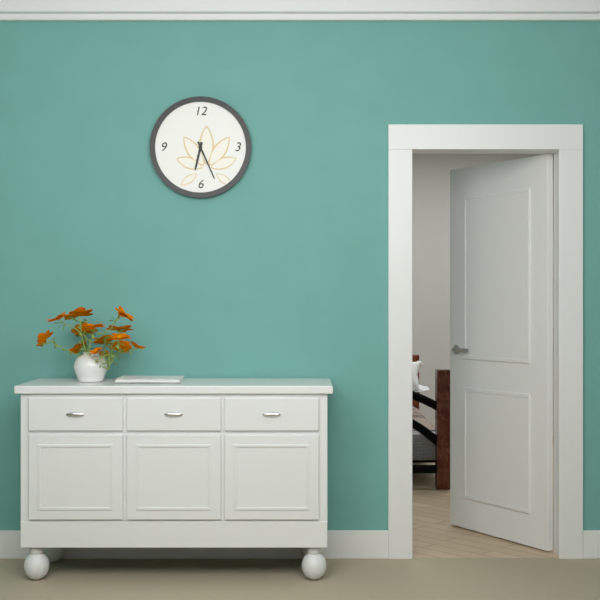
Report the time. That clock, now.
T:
6:26
